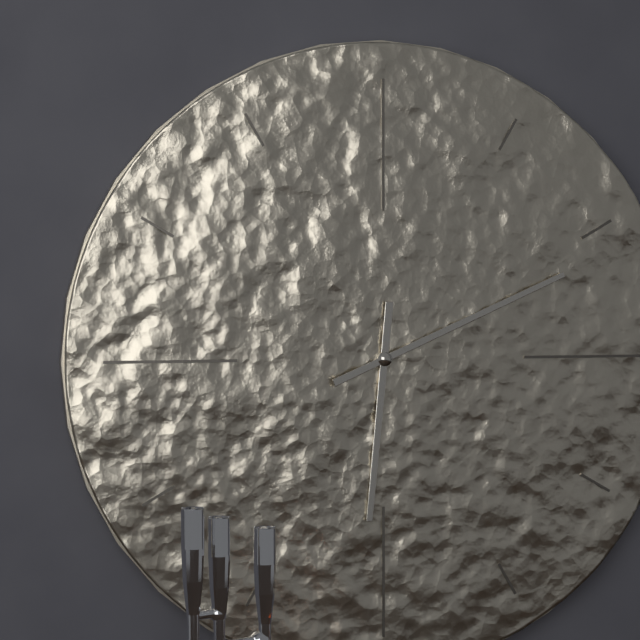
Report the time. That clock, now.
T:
6:11
